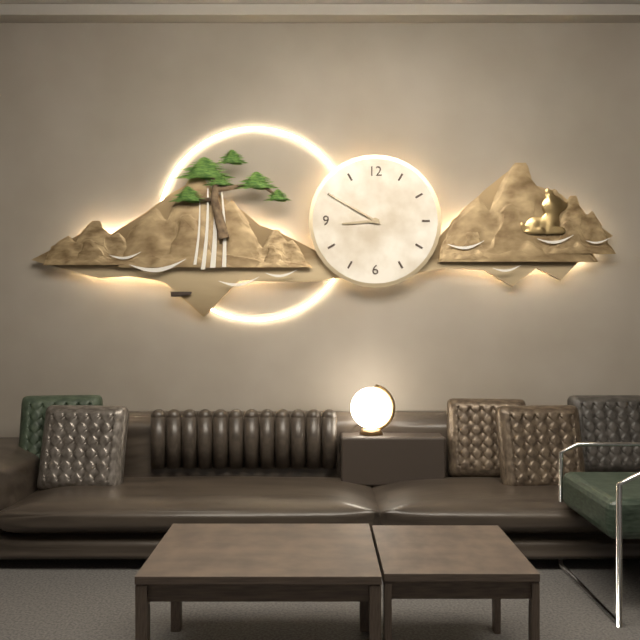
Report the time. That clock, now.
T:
8:50
